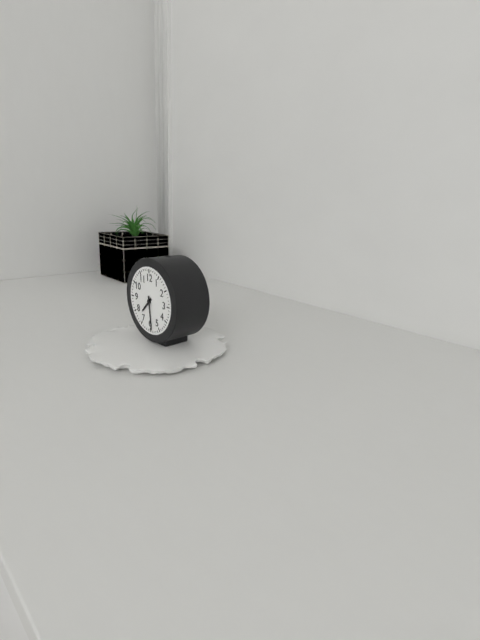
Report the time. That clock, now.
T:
7:29
